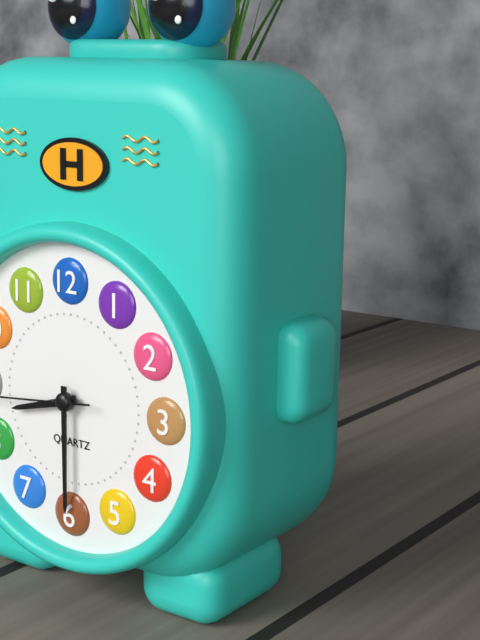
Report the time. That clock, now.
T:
8:30
